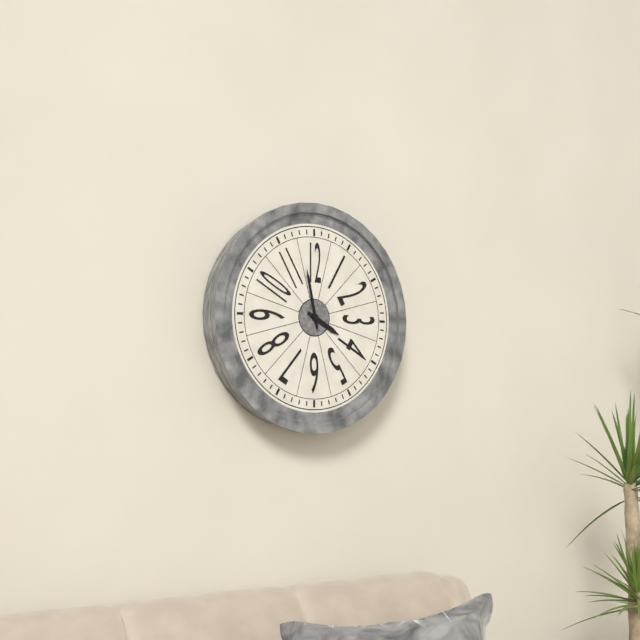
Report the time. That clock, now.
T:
3:58
